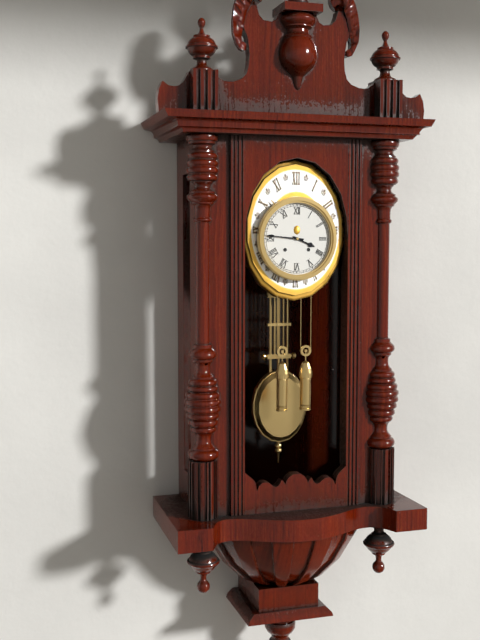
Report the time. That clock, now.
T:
3:46
